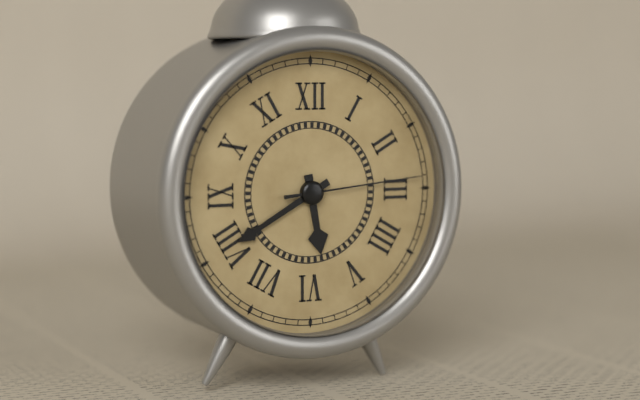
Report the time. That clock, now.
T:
5:40:14
